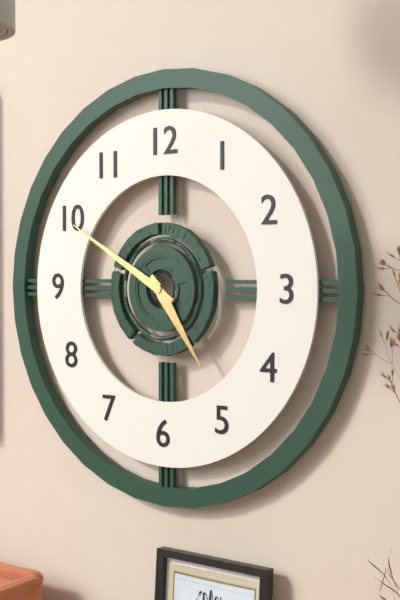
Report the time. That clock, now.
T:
4:50
